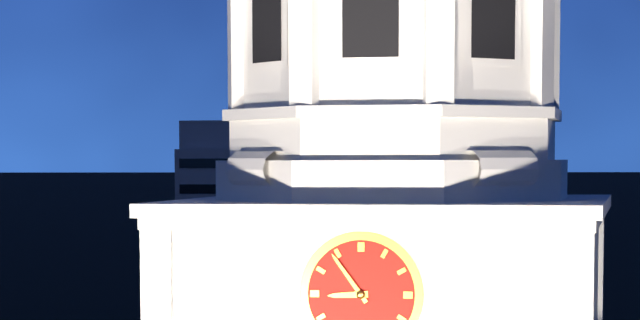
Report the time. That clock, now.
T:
8:54
